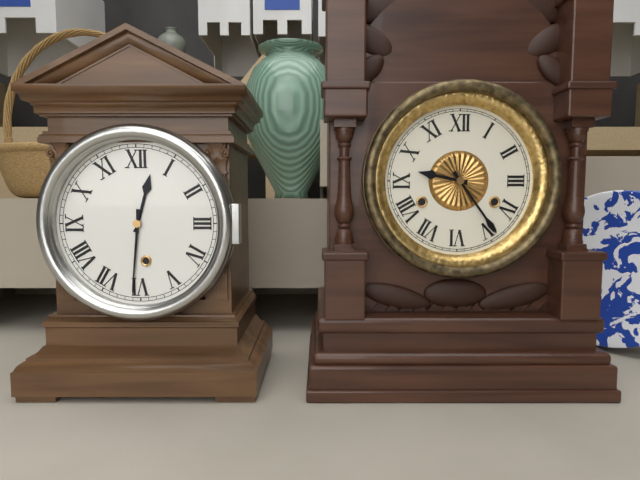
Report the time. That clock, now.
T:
12:31
